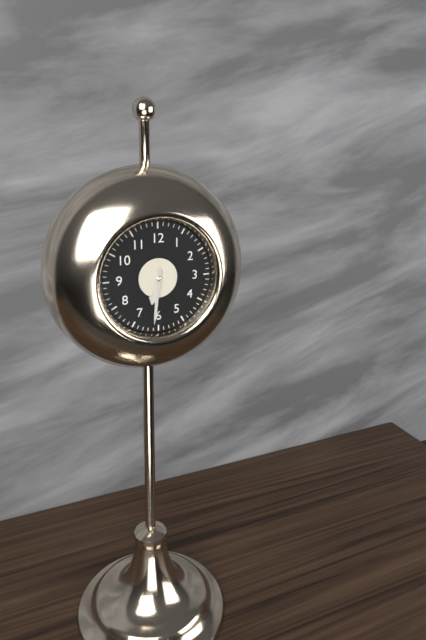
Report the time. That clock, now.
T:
6:31
